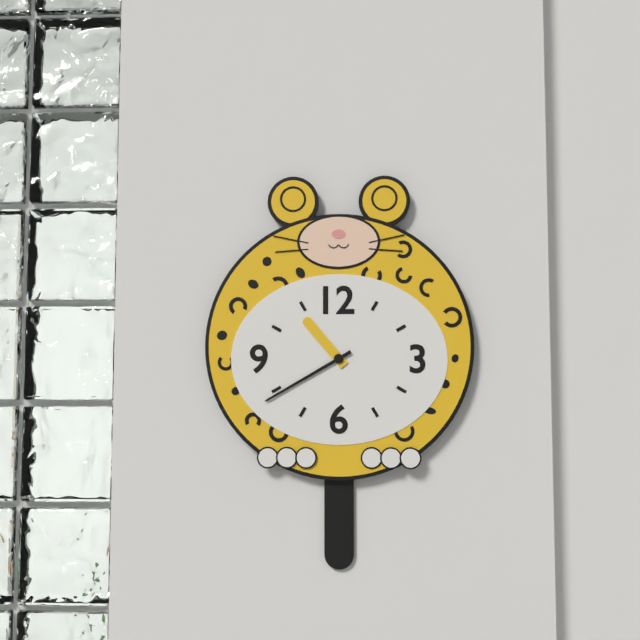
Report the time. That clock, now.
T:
10:40
